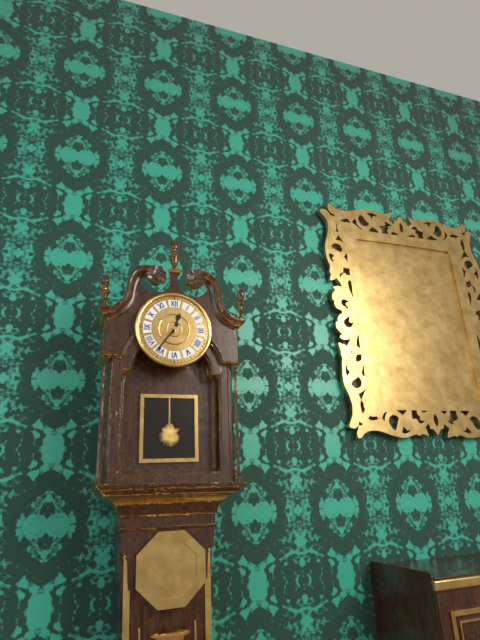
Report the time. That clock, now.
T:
12:36
